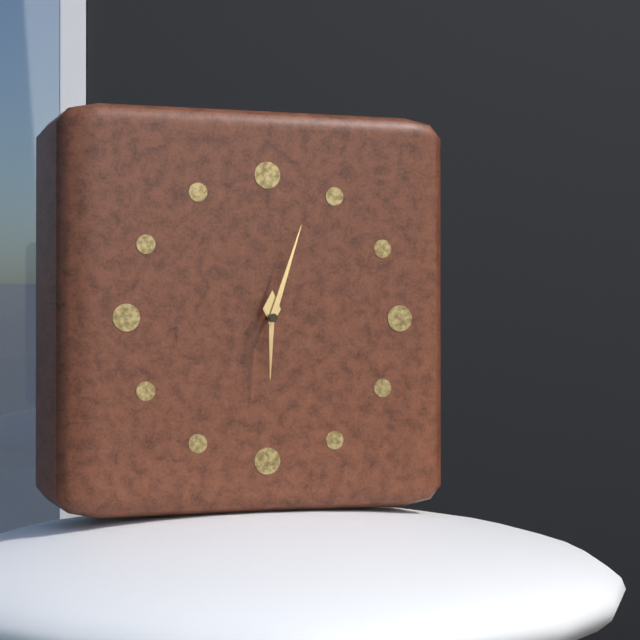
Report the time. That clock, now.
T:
6:03
